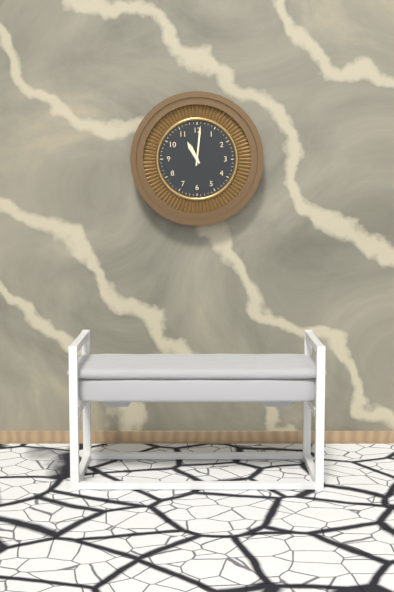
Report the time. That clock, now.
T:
11:01
